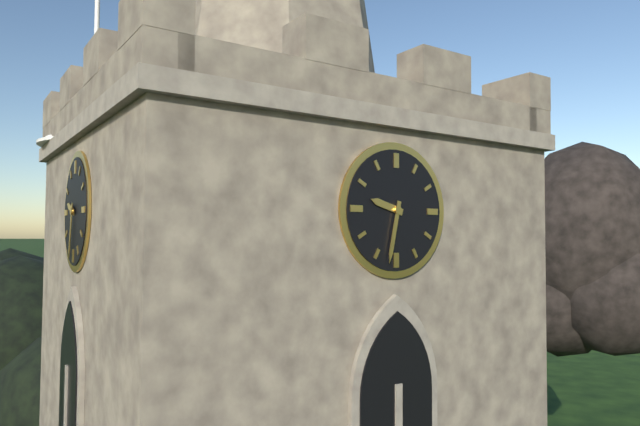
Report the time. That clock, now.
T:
9:32
